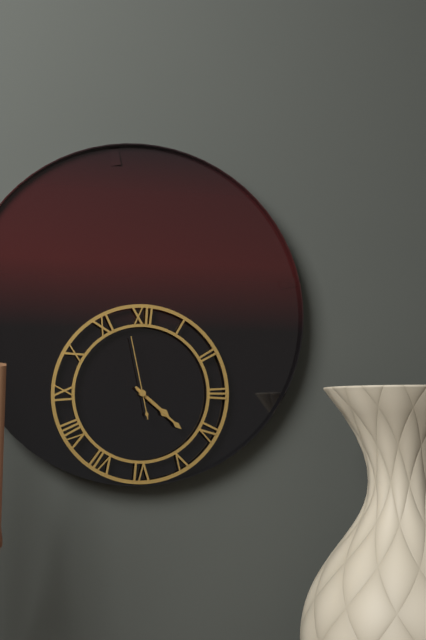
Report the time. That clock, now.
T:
4:22:58
